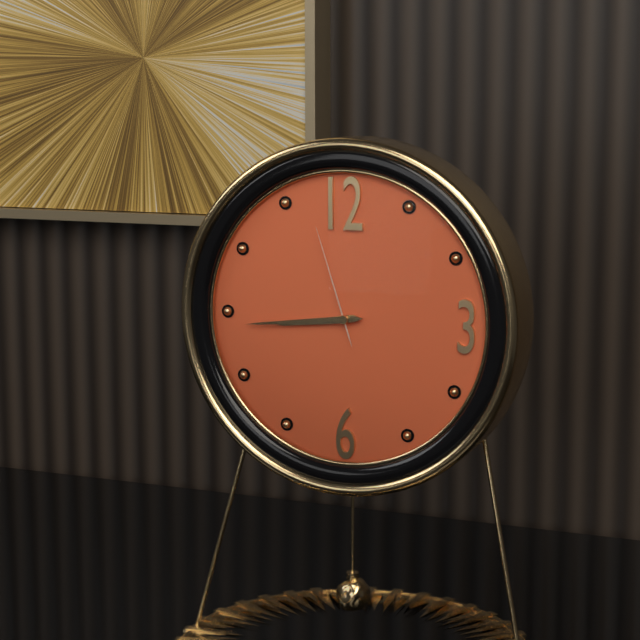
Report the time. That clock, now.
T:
8:44:57
